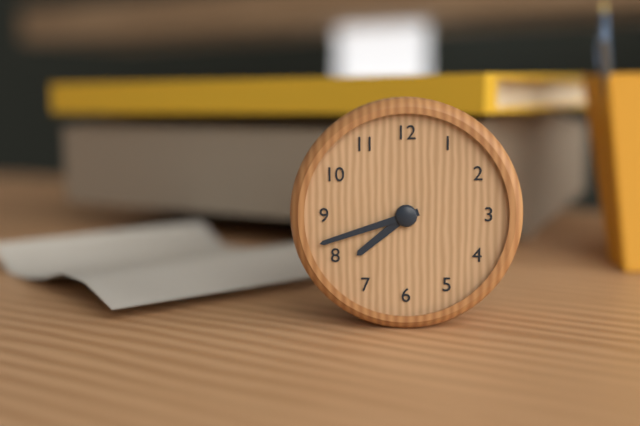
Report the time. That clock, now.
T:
7:42
